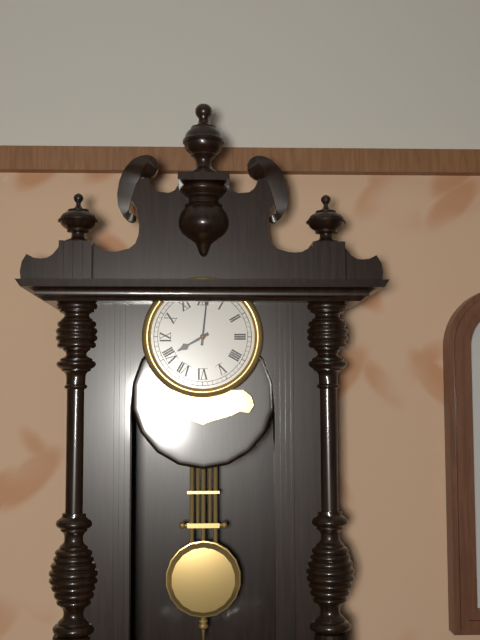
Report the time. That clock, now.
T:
8:01
